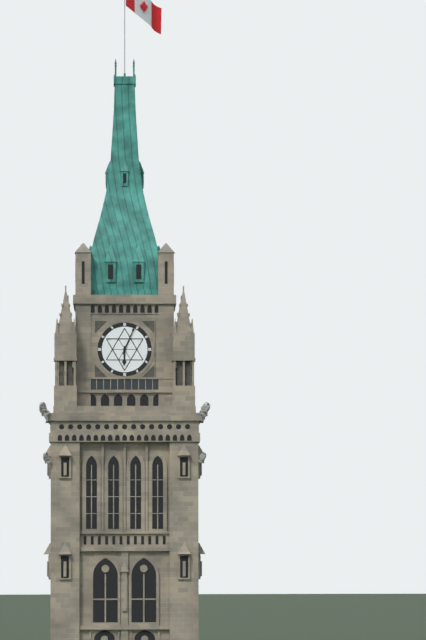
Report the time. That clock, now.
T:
6:04
